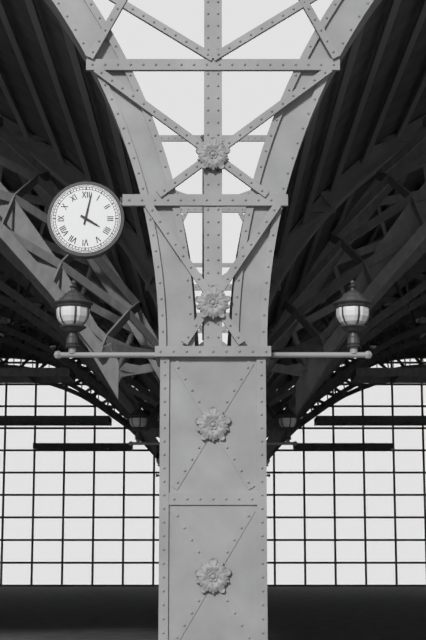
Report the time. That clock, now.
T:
4:02
